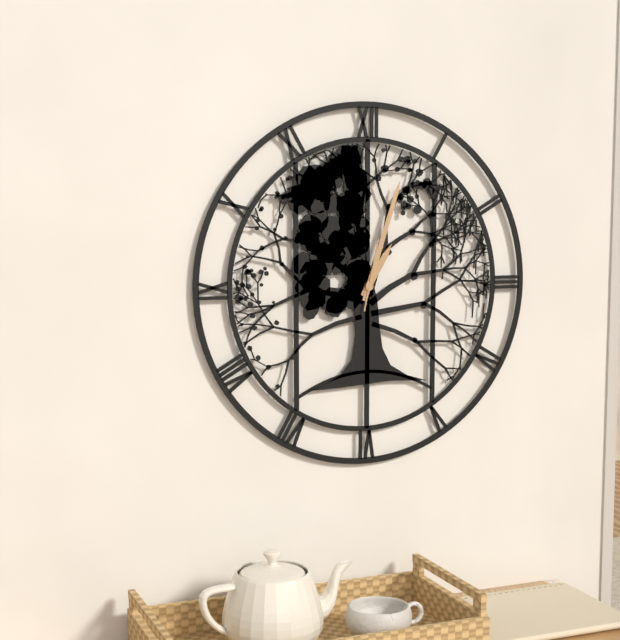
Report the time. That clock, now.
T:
1:03:02
